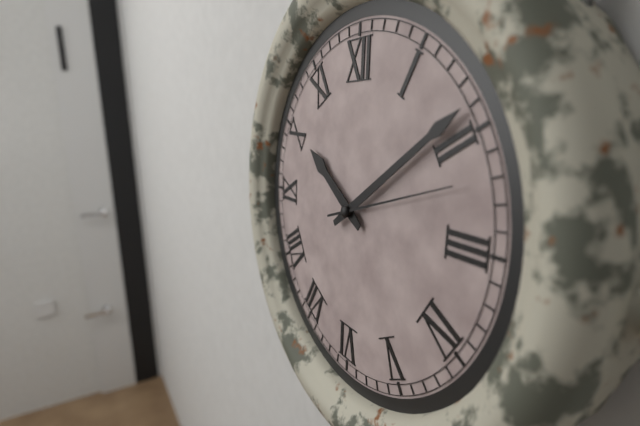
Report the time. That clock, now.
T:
10:09:12
